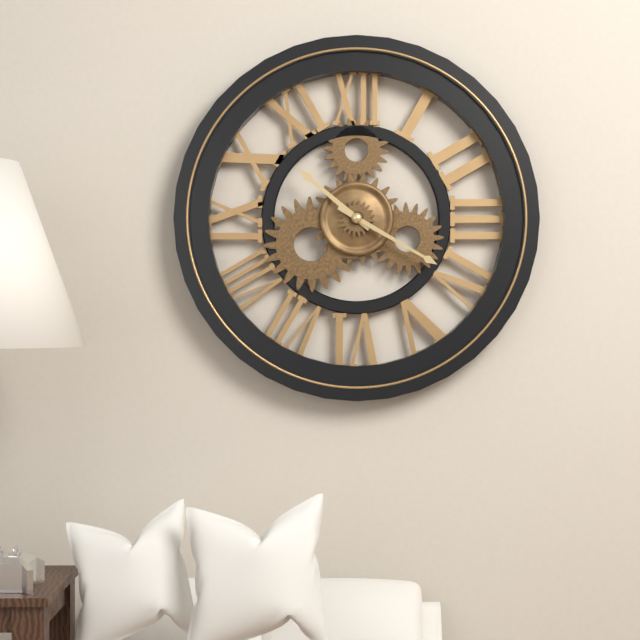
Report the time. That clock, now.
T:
10:20
